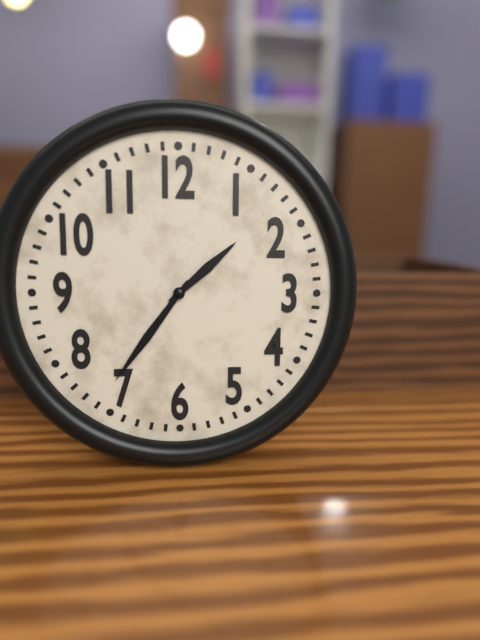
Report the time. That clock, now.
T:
1:36
